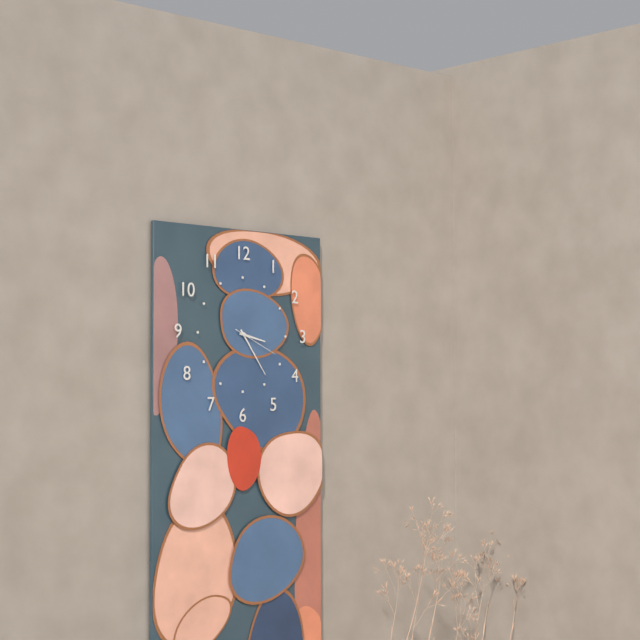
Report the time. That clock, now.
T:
3:24
